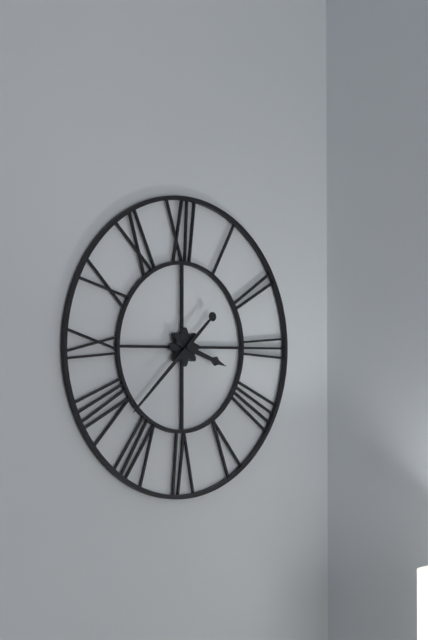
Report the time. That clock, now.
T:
3:38
